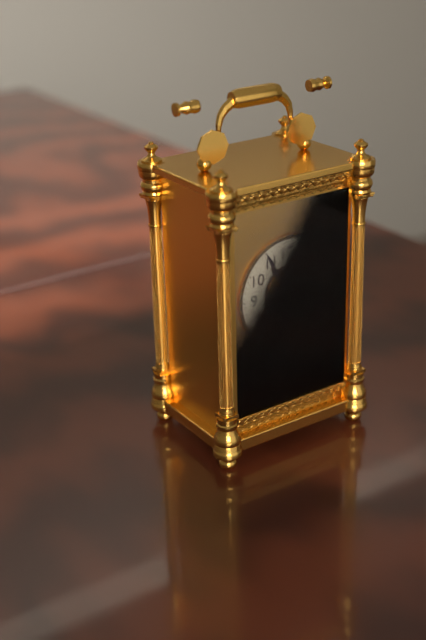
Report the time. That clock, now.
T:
10:55
